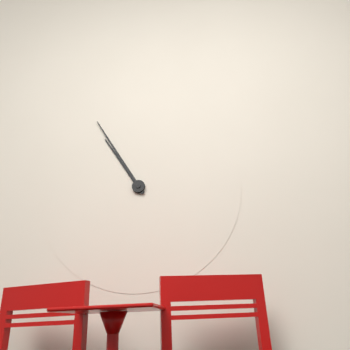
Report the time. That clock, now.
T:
10:55
